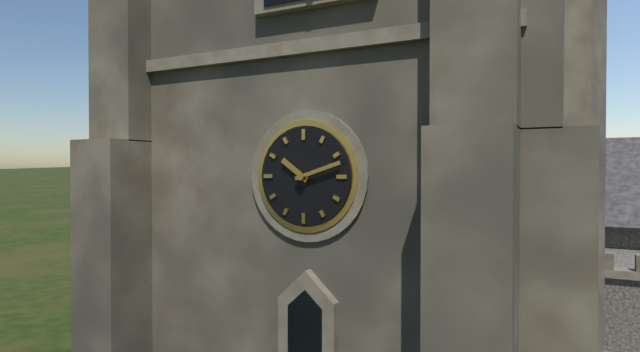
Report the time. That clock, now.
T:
10:12
